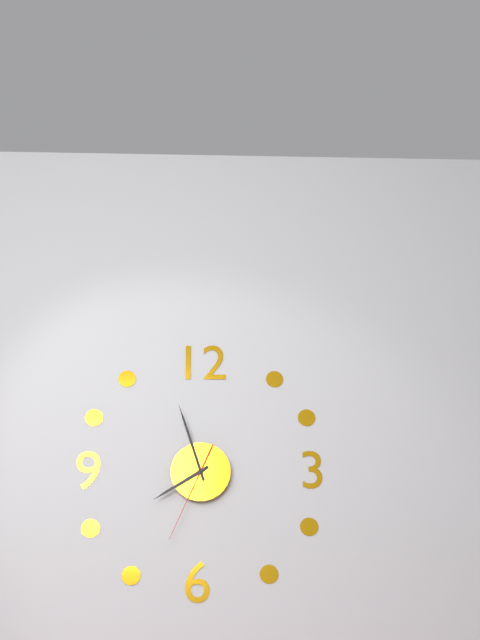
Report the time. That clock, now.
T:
7:57:34
